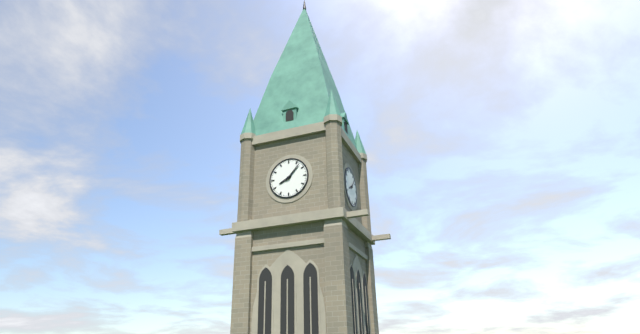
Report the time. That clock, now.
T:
8:07
